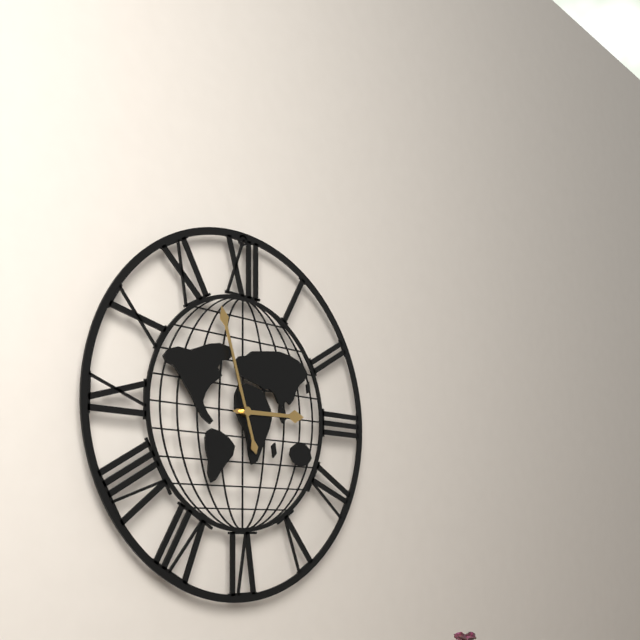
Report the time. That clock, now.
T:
2:57
